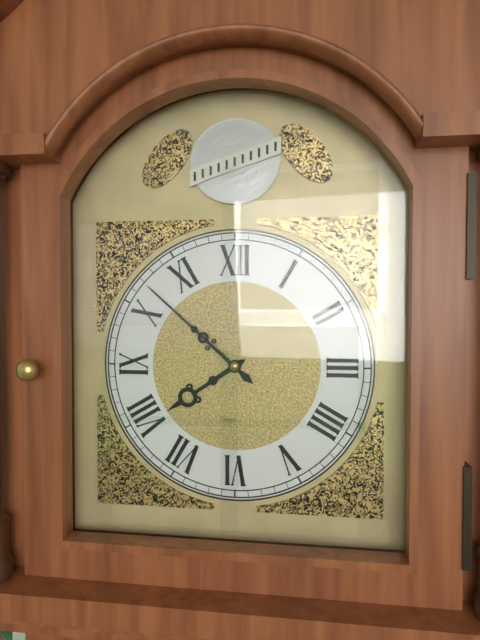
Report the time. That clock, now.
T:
7:52
